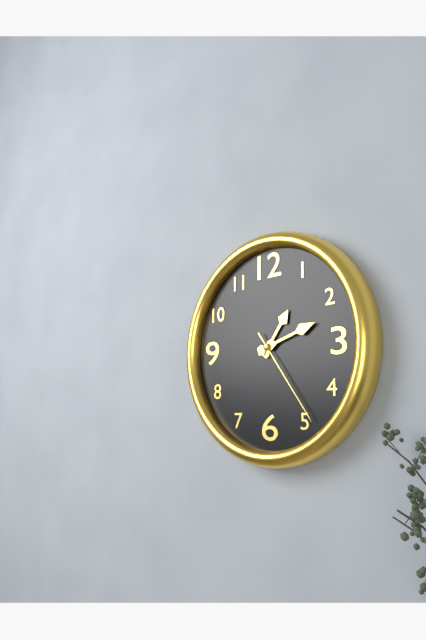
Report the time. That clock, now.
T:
1:12:24
